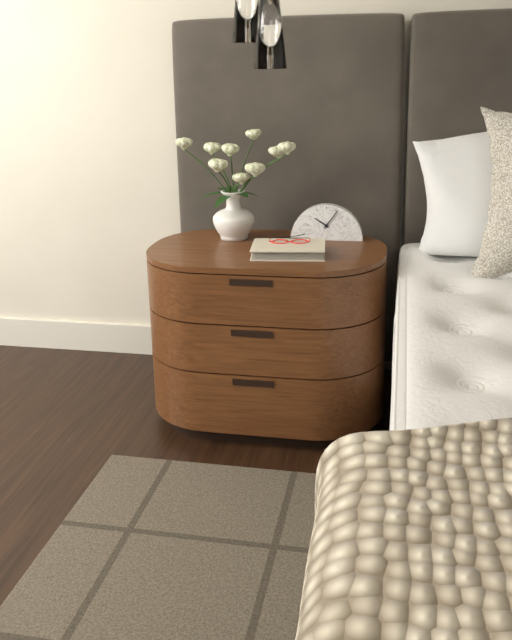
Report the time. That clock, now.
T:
10:06
